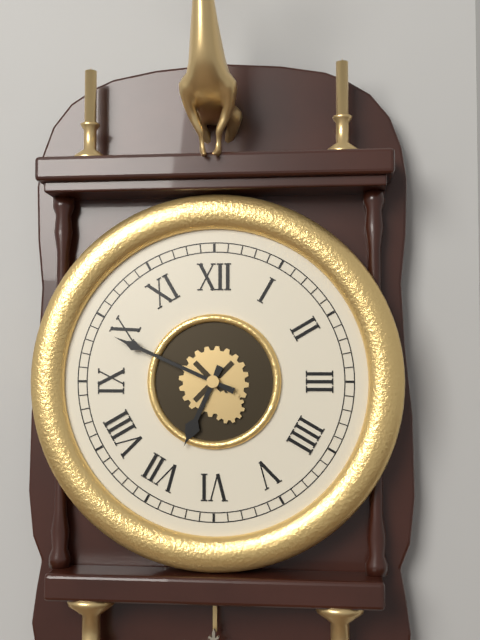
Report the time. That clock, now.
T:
6:49
